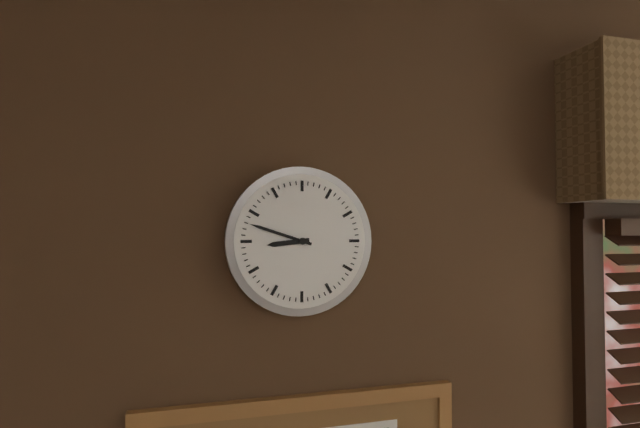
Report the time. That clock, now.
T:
8:48
